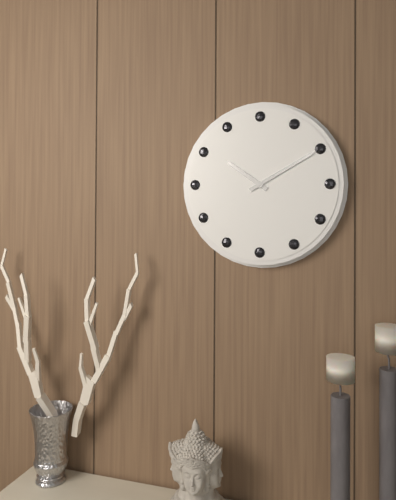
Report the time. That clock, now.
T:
10:10
